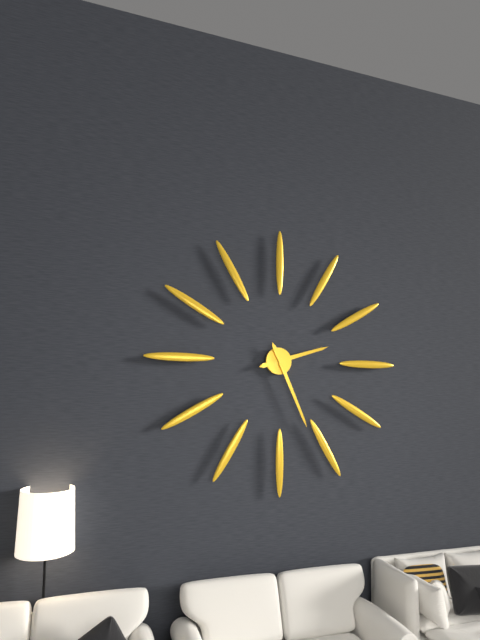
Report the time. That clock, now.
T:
2:26
